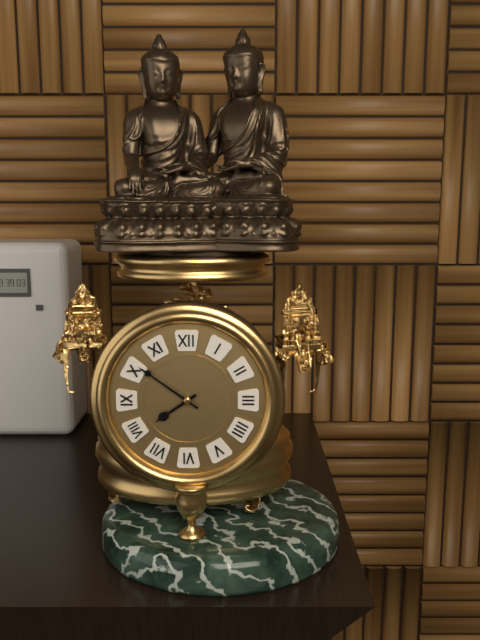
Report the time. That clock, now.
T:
7:51
